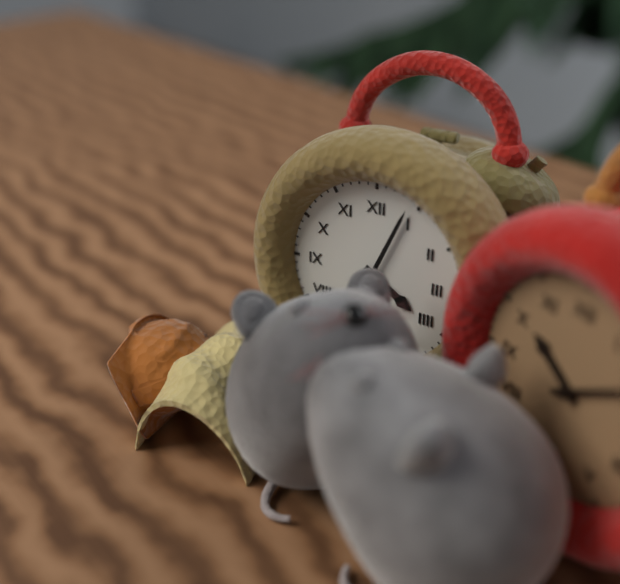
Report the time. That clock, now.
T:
4:04
